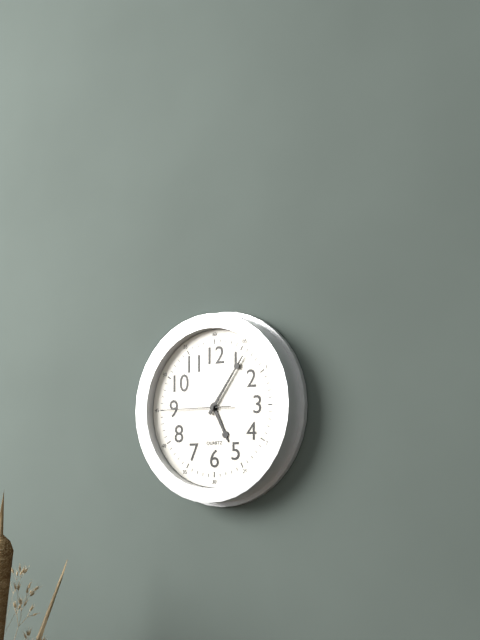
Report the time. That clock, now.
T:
5:06:45
